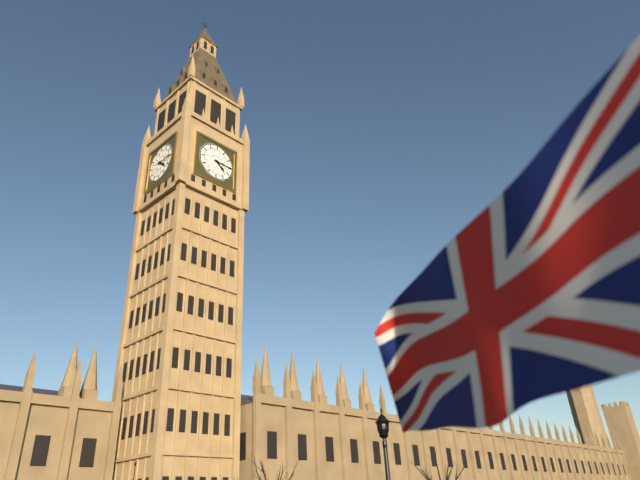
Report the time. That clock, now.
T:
4:15
